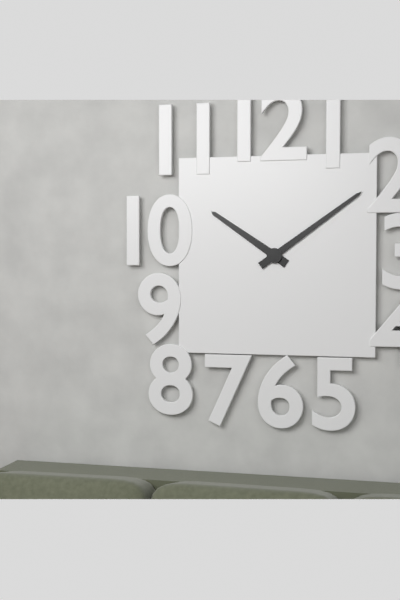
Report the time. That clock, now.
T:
10:09
